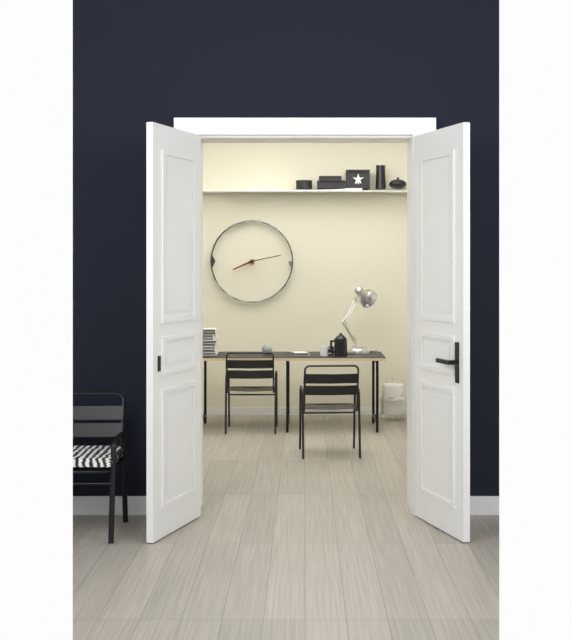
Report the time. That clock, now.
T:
8:13
